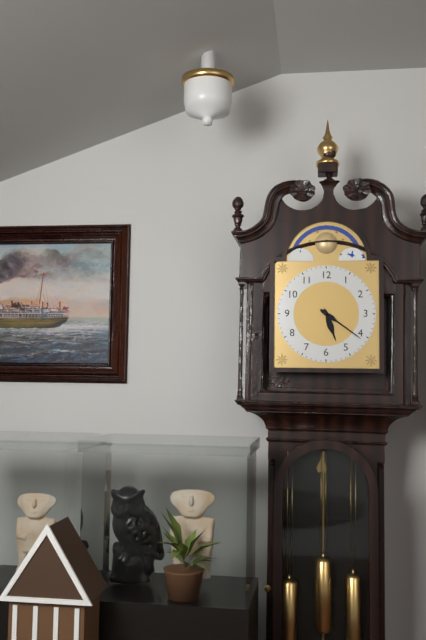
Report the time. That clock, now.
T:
5:21
